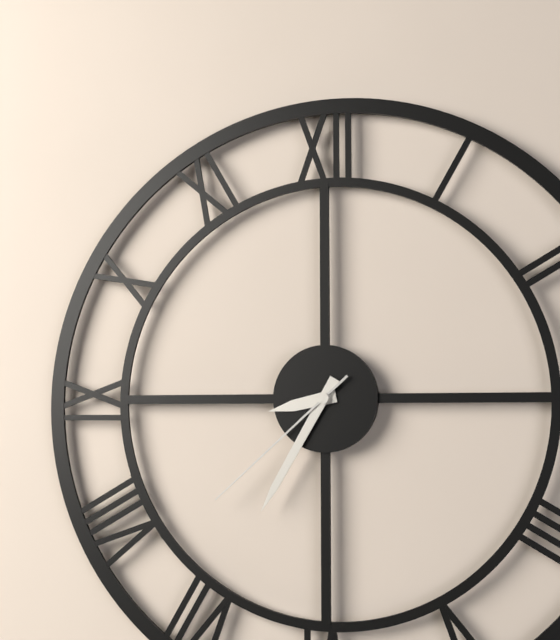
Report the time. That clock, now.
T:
8:35:38
